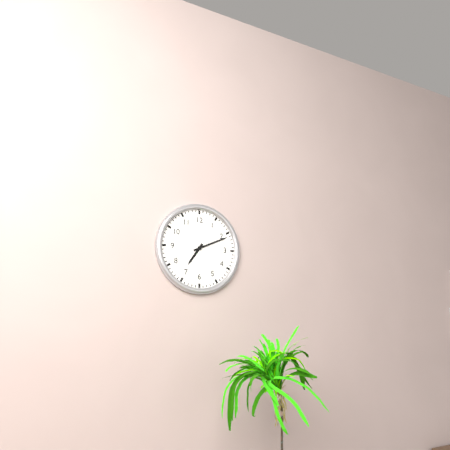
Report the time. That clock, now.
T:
7:11
